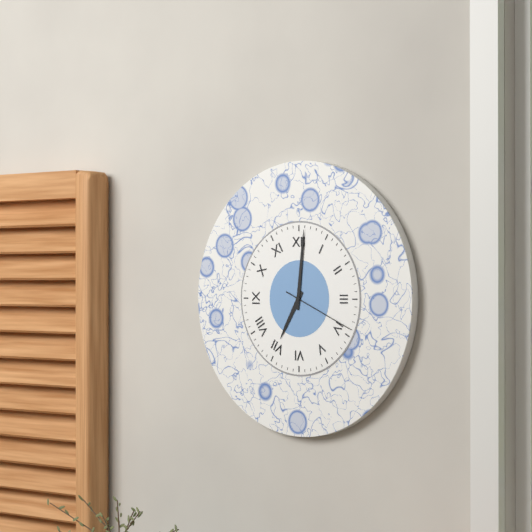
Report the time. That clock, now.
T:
7:01:19
